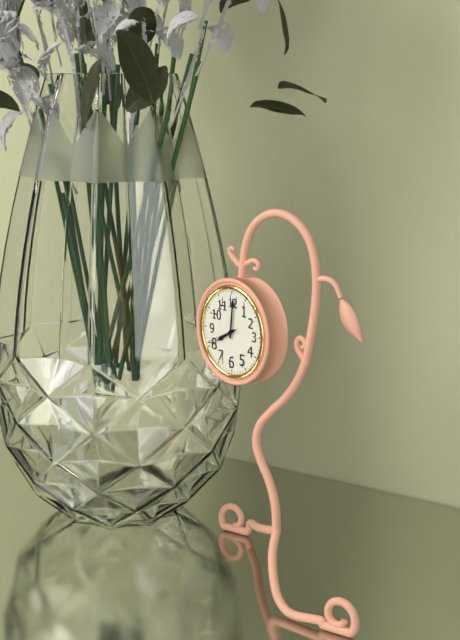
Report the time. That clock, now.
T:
8:01
